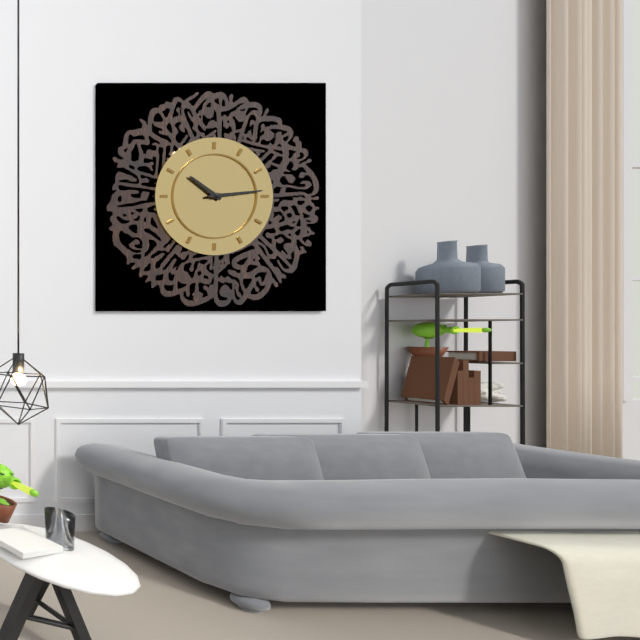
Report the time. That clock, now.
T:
10:14
